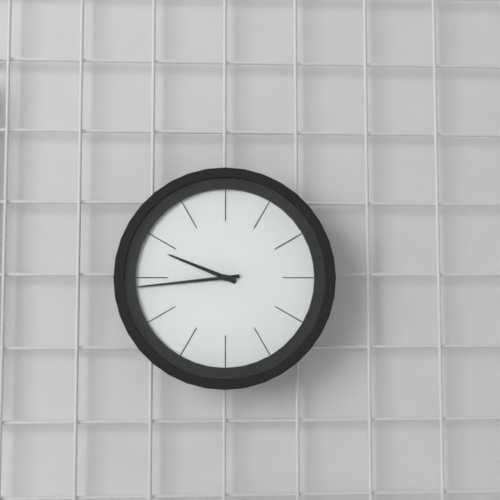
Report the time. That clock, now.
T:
9:44
